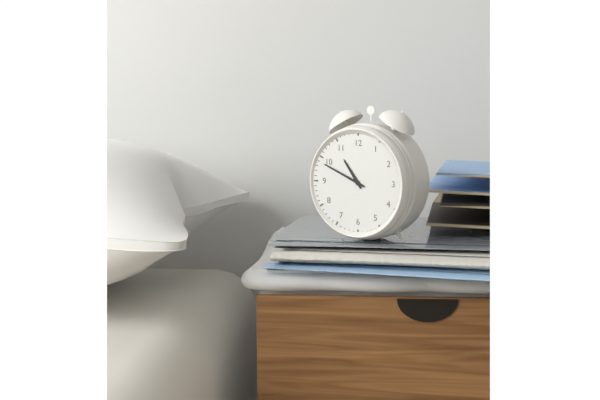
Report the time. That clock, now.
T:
10:49
